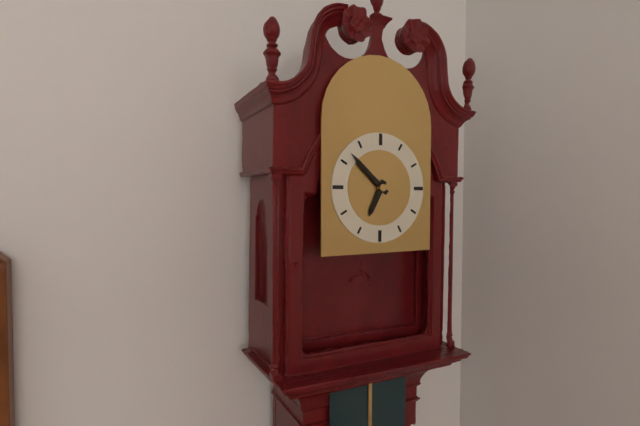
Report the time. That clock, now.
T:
6:52
